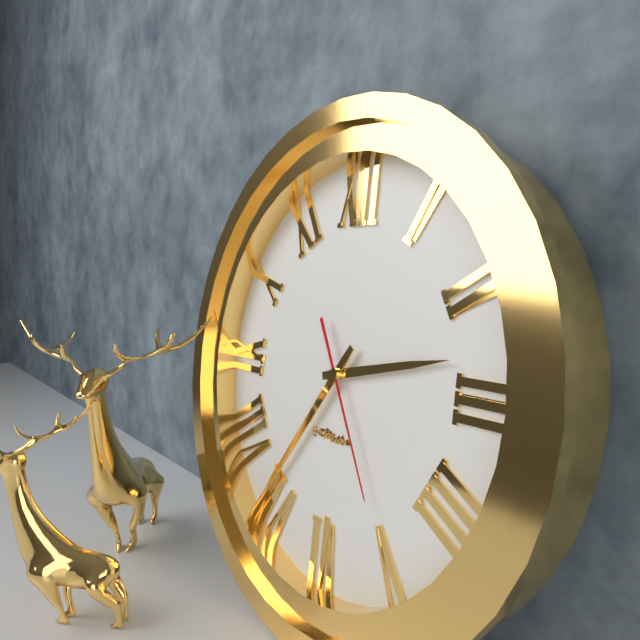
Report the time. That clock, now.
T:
2:36:25
